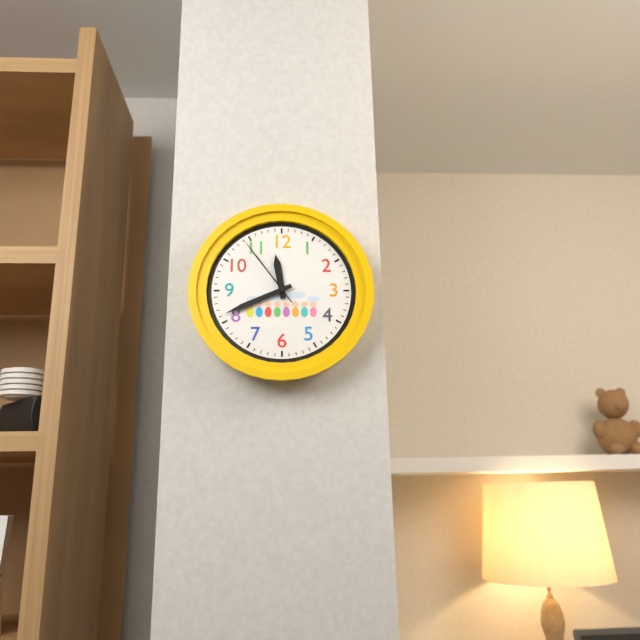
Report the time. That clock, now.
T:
11:41:54
